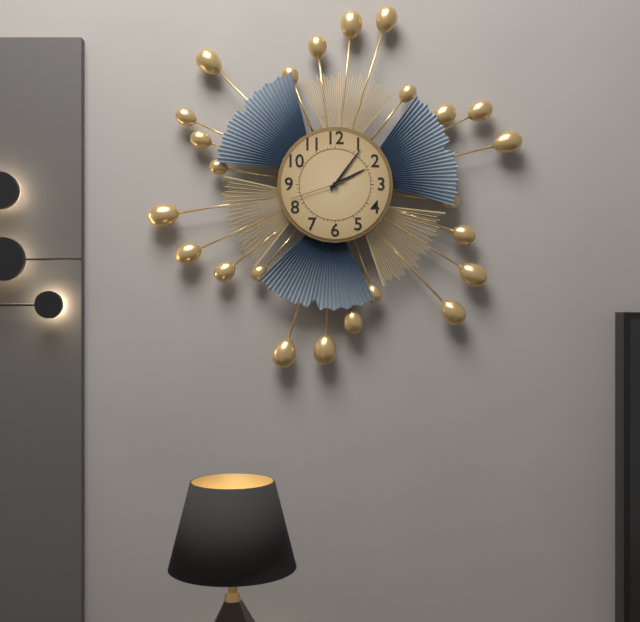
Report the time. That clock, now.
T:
2:06:42
